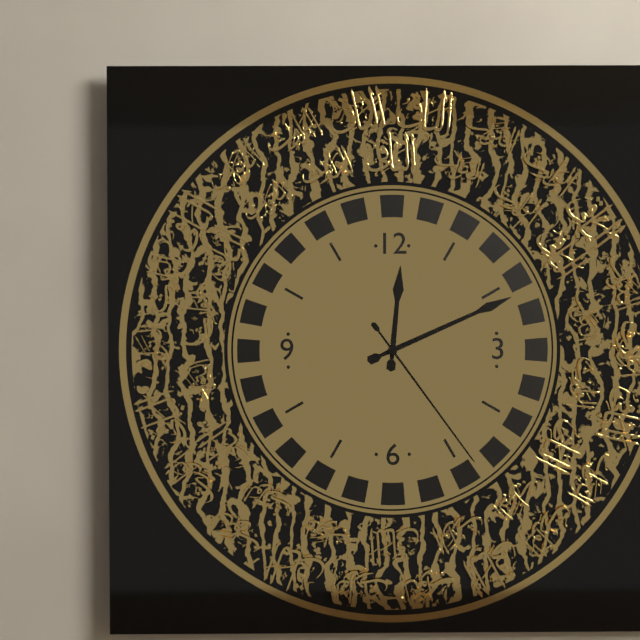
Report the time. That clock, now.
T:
12:11:24
